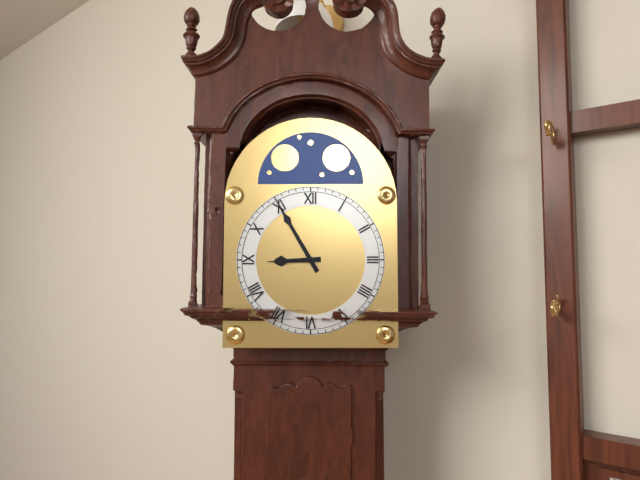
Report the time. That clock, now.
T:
8:55
